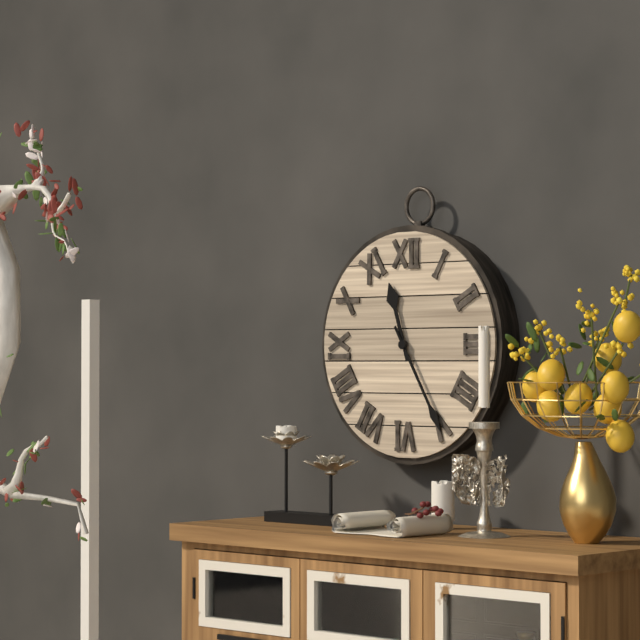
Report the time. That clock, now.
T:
11:25
